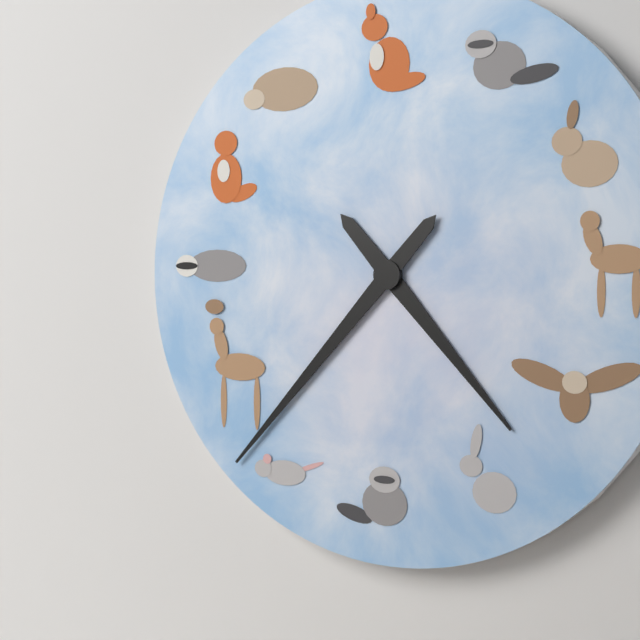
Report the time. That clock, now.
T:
4:37
